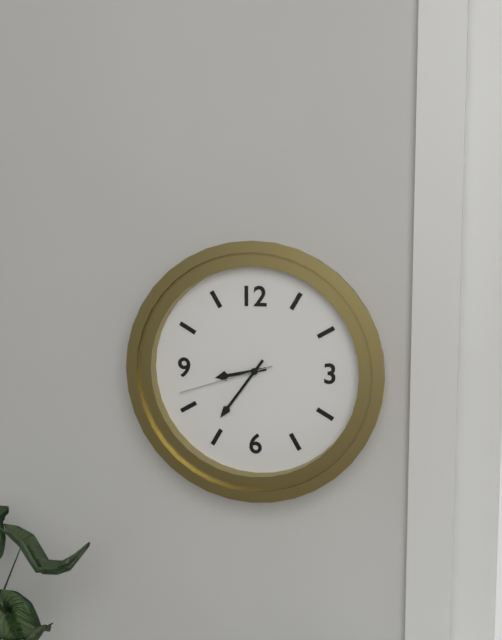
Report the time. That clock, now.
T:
8:36:42
